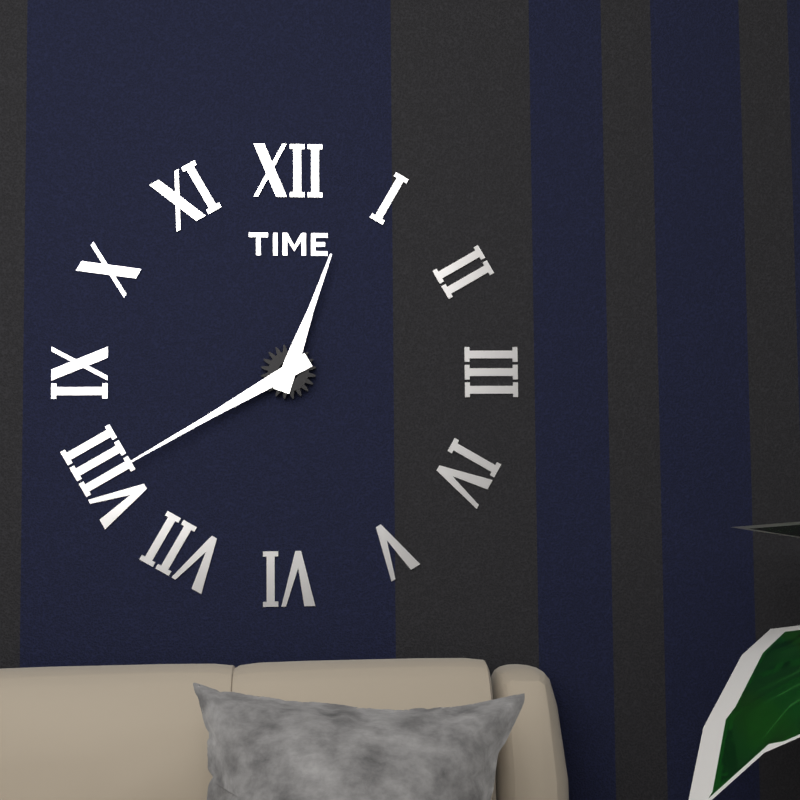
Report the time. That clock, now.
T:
12:40
